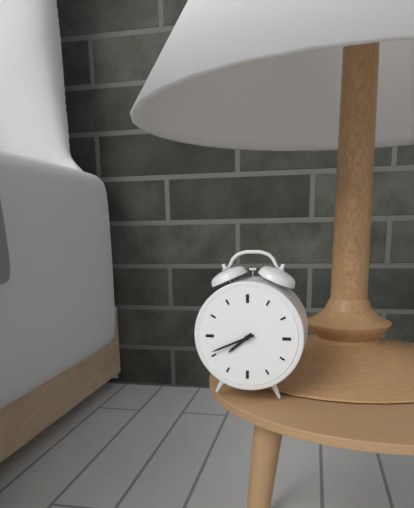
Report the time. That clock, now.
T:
7:41
